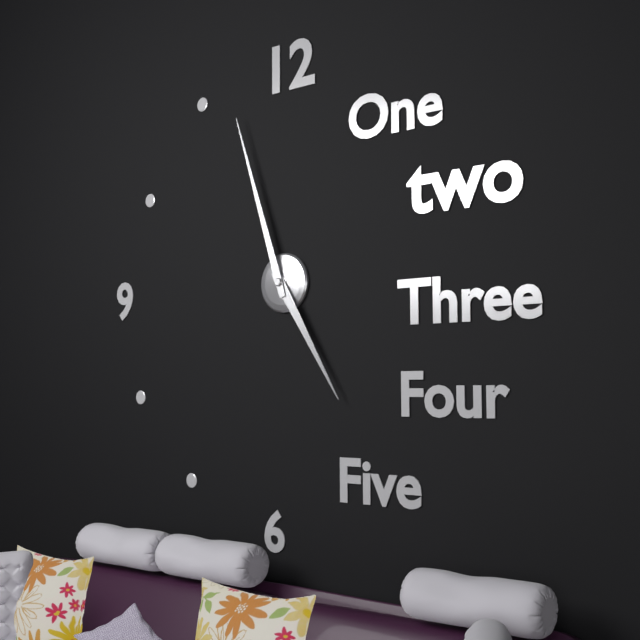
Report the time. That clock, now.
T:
4:57
